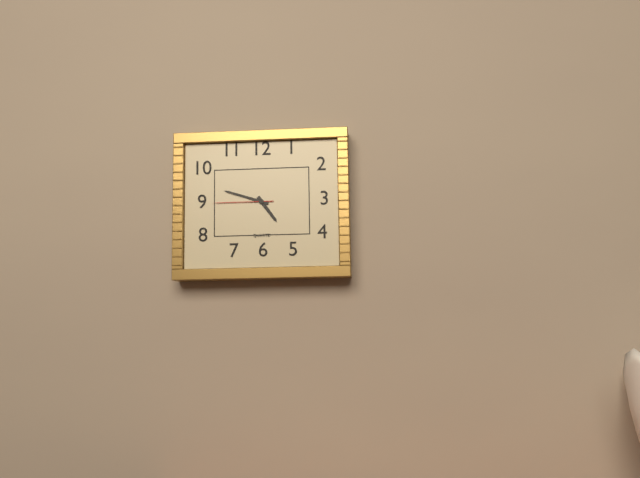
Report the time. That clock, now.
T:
4:48:45
